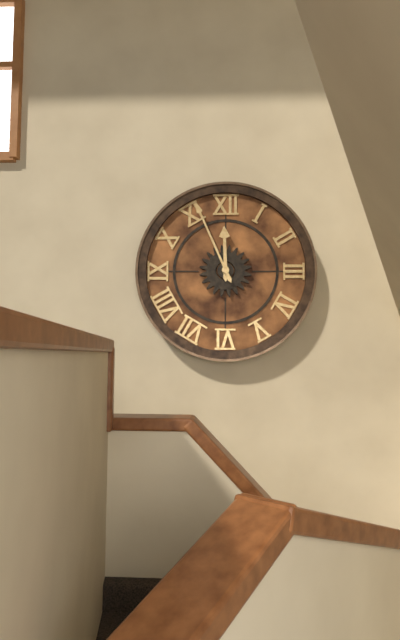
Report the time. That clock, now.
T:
11:56
